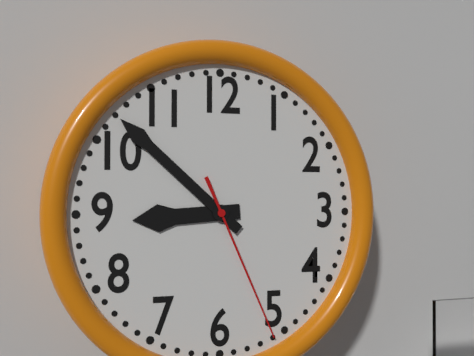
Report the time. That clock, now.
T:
8:52:26
